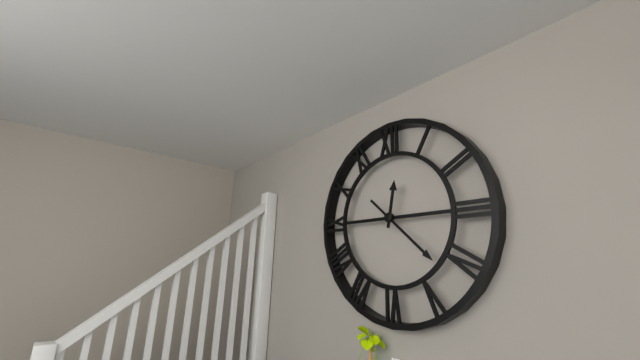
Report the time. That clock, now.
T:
12:22
